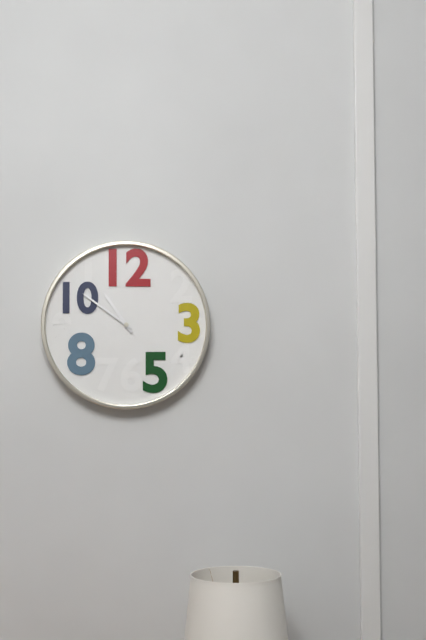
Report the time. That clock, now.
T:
10:51
